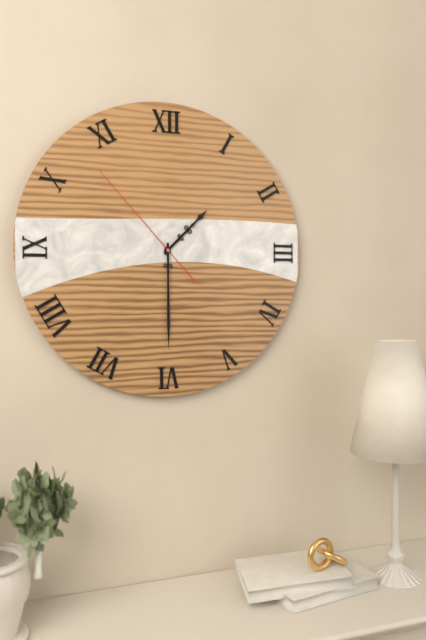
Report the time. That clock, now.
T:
1:30:53
